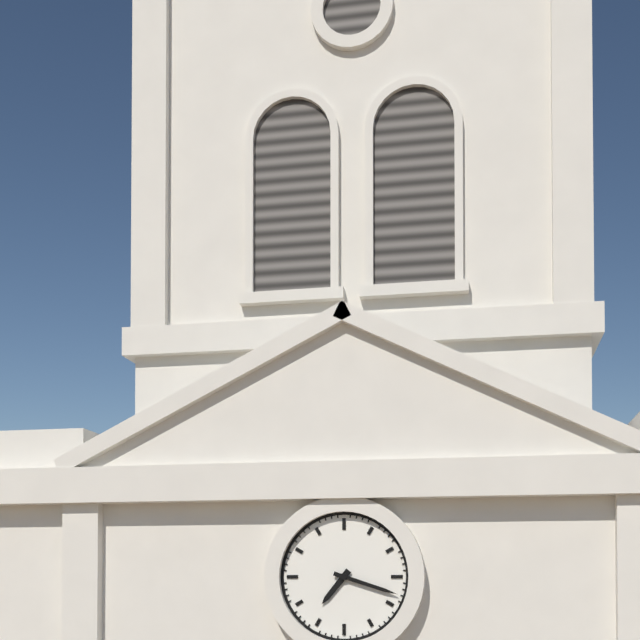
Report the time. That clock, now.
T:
7:18
